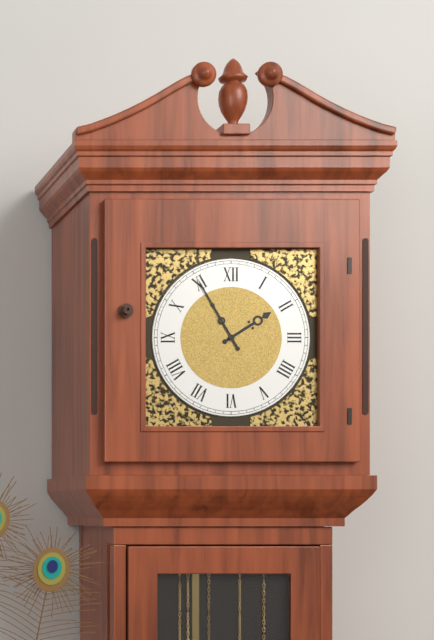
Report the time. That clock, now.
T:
1:55
